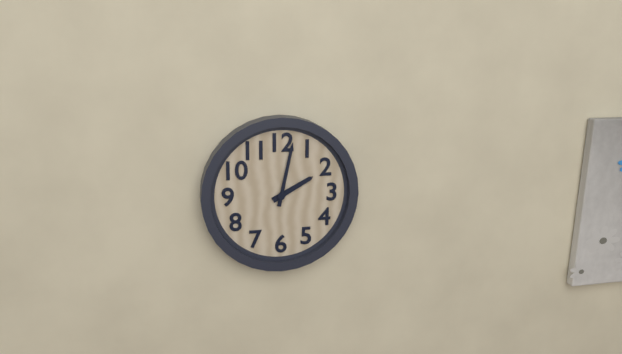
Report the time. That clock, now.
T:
2:02
